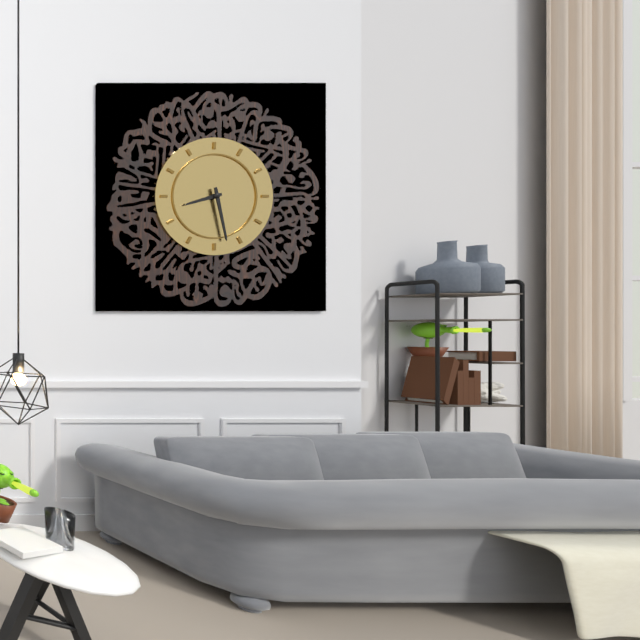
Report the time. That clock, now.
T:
8:28
